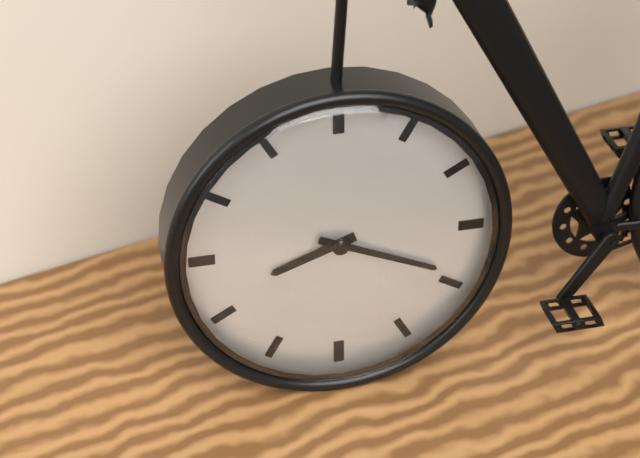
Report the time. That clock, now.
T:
8:19
